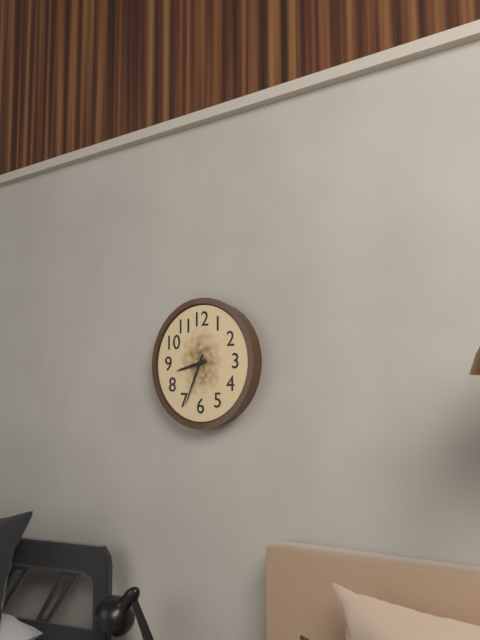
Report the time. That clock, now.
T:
8:34
